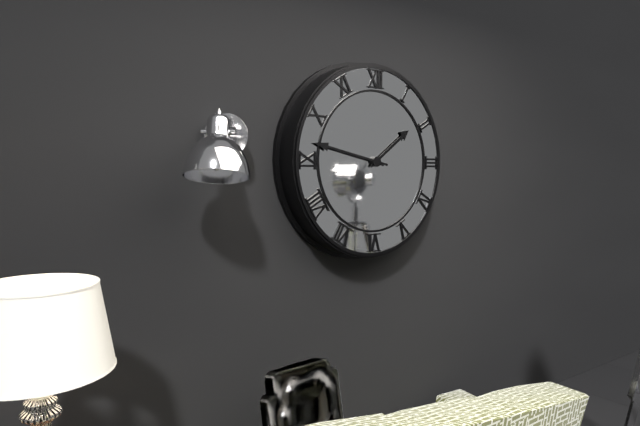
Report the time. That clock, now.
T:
1:47
